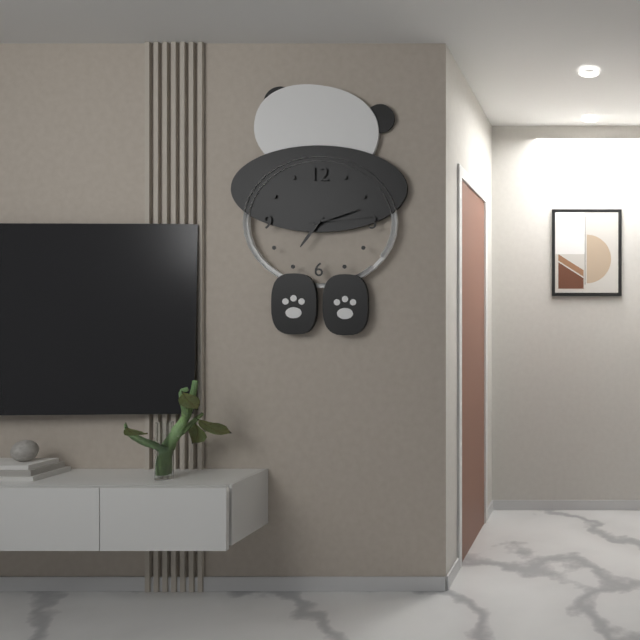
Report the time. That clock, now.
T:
7:12:14
